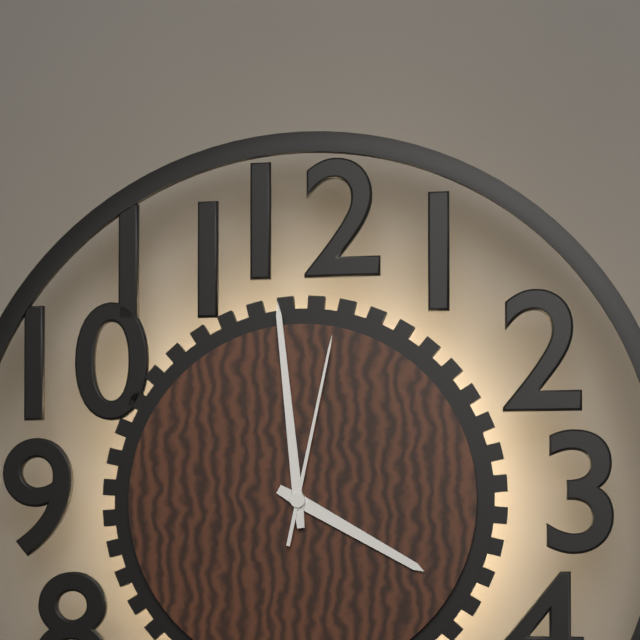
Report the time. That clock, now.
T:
3:59:02
